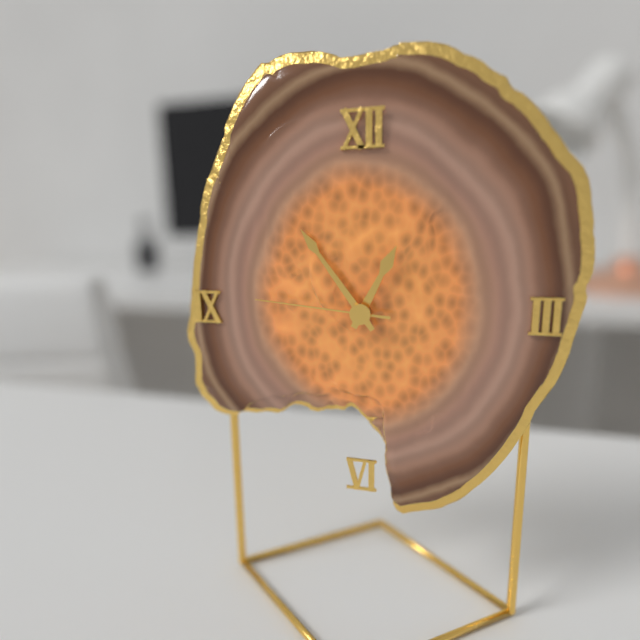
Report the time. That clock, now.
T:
12:54:46
